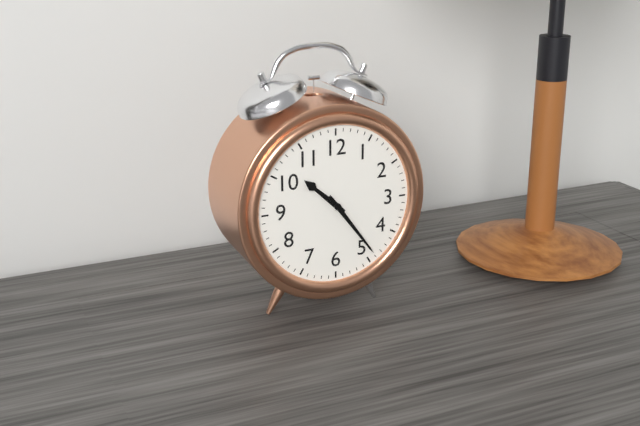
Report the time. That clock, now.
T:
10:24
